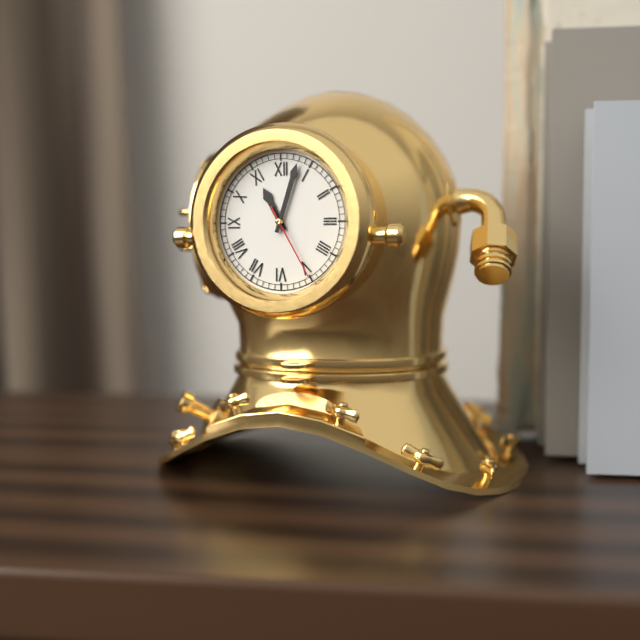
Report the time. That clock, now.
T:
11:03:25
